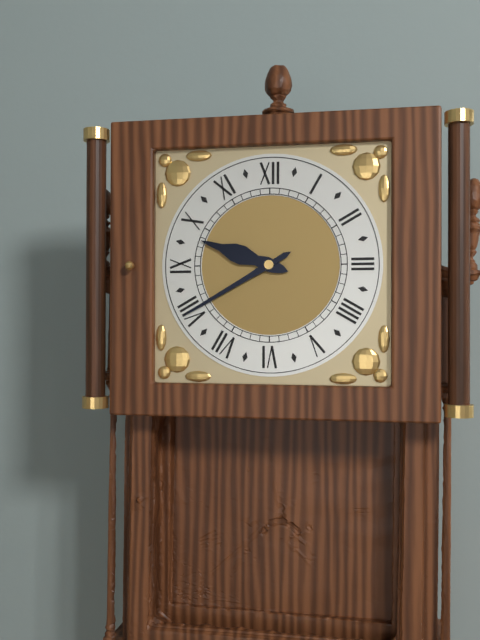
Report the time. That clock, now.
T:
9:40
